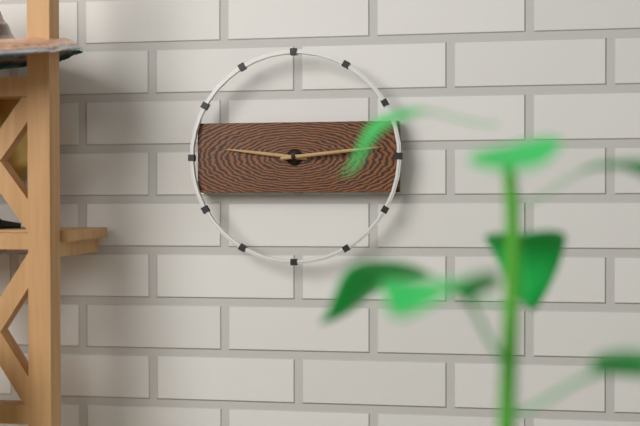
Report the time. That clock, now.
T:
9:14
